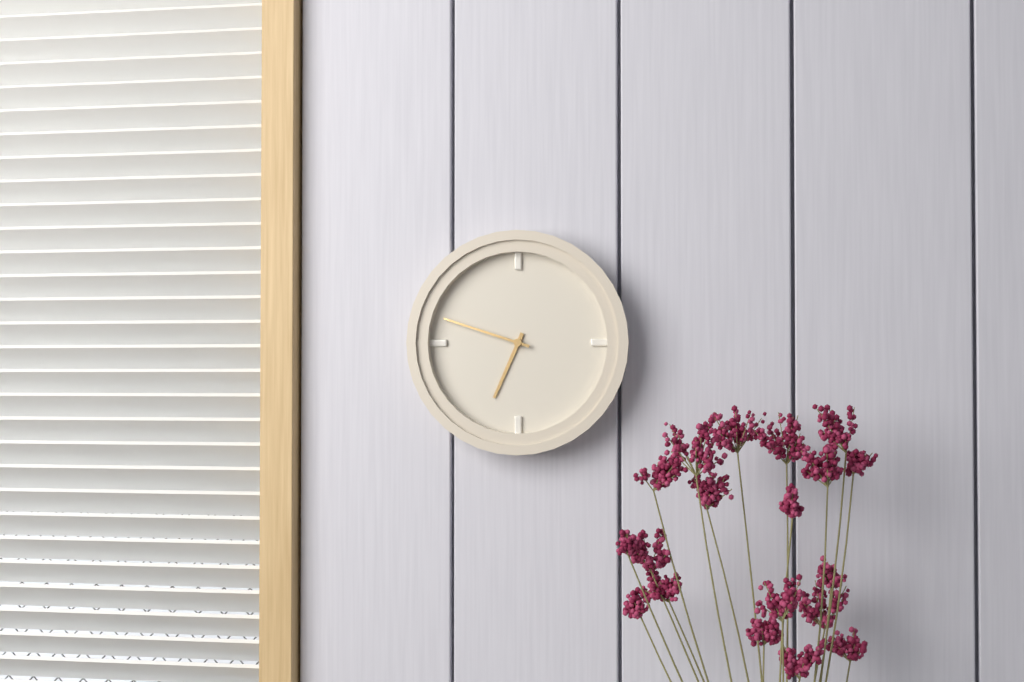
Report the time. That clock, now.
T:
6:48
